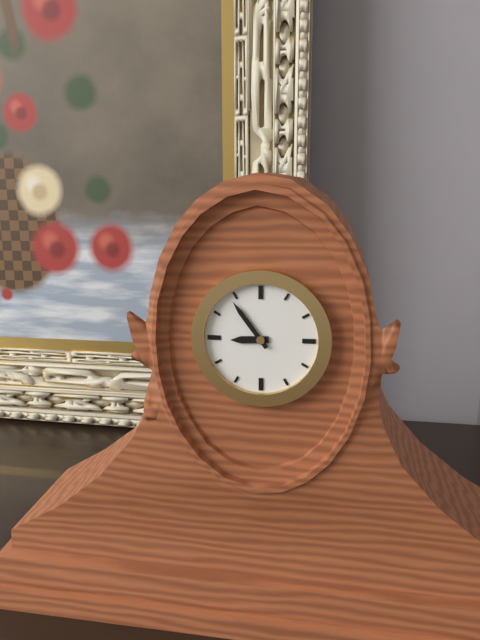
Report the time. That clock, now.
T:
8:54
